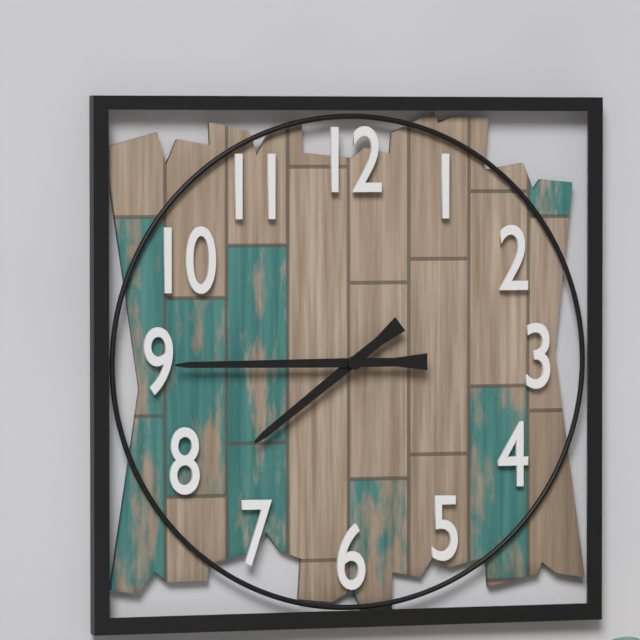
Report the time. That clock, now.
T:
7:45
